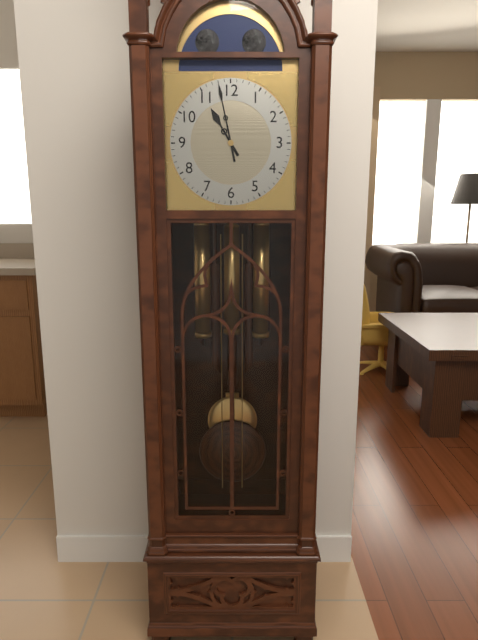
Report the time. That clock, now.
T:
10:58
